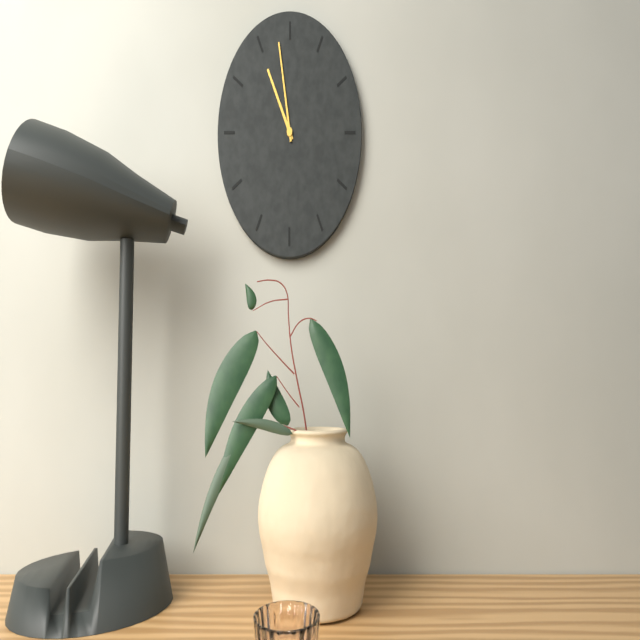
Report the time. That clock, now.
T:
10:58
